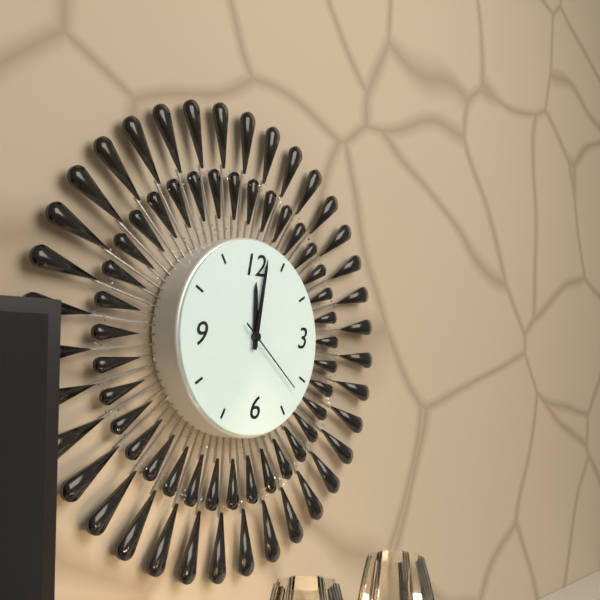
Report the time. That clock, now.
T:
12:02:22
